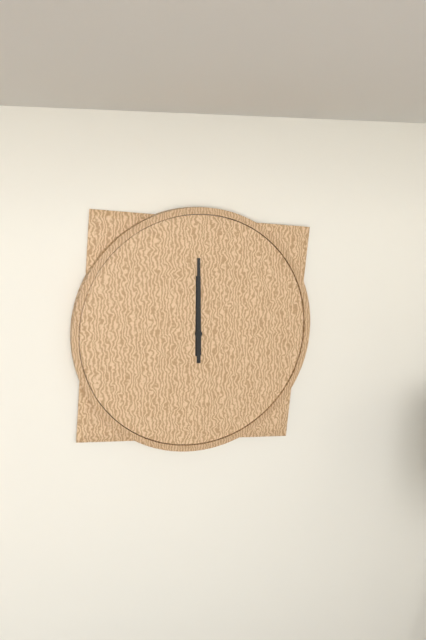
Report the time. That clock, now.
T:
12:00
